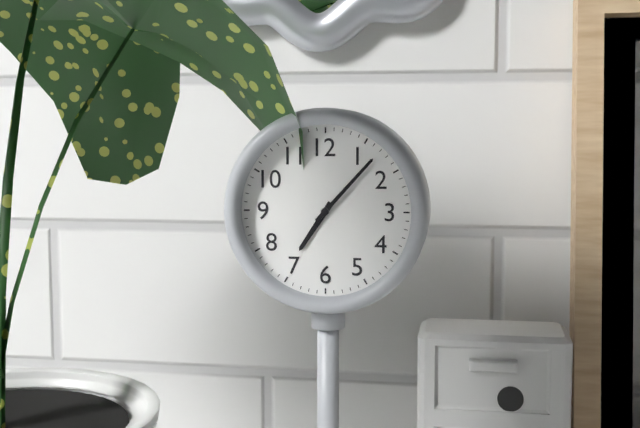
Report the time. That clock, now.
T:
7:07
